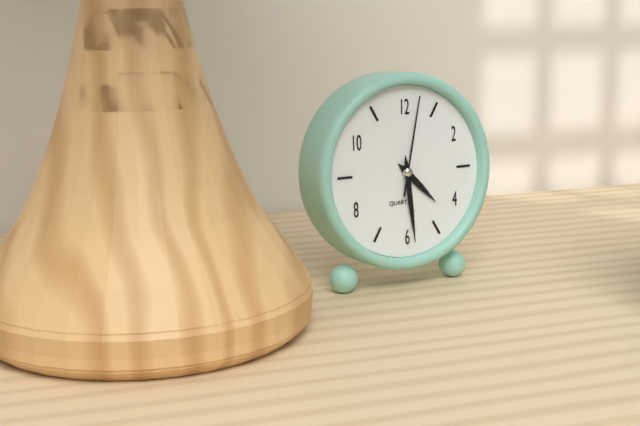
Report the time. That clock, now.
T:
4:29:02
